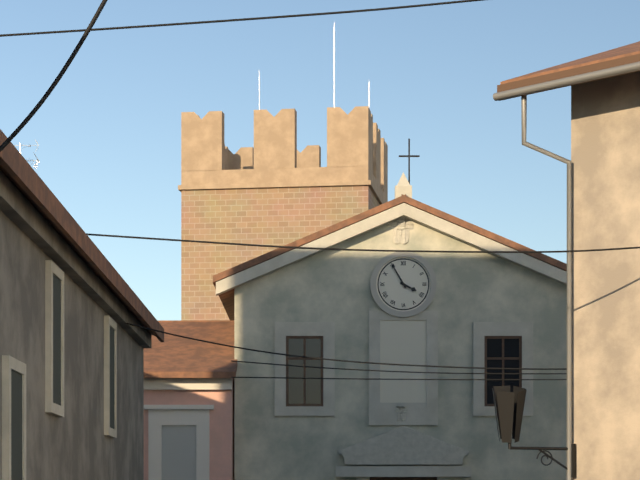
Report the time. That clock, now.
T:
3:55
